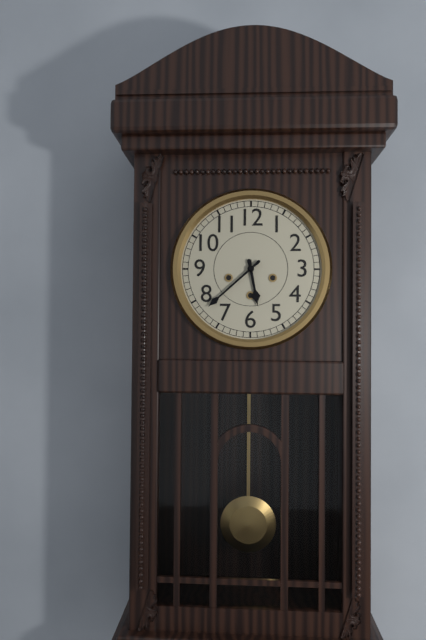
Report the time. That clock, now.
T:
5:38
